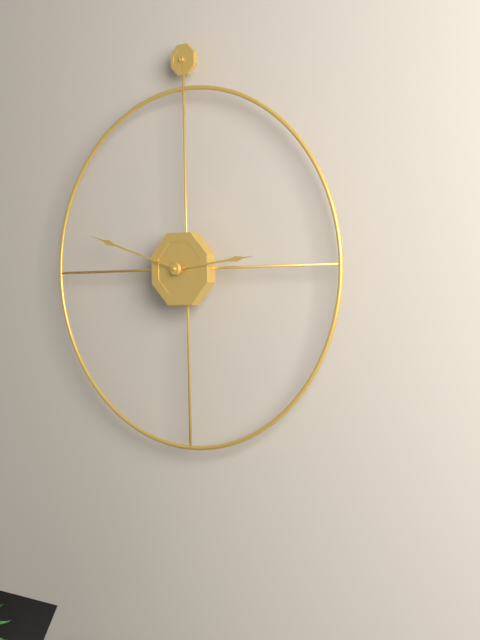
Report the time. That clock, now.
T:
2:48
